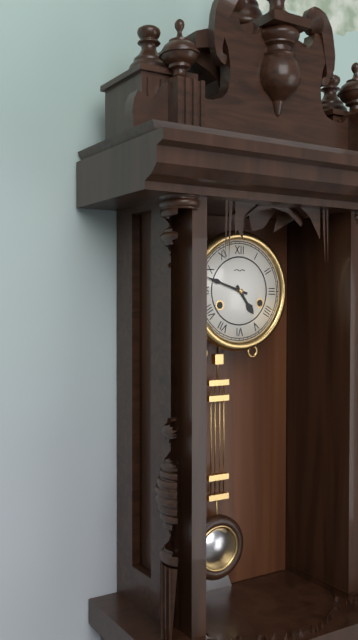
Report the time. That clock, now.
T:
4:48
